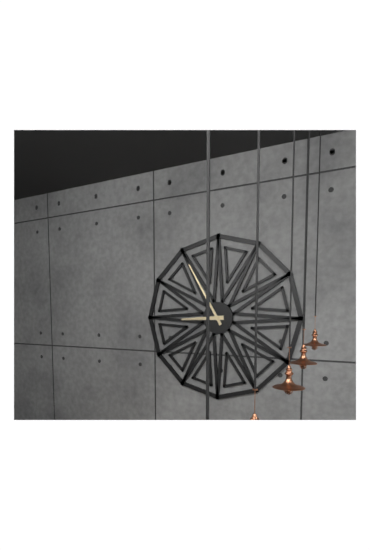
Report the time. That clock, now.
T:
8:55
